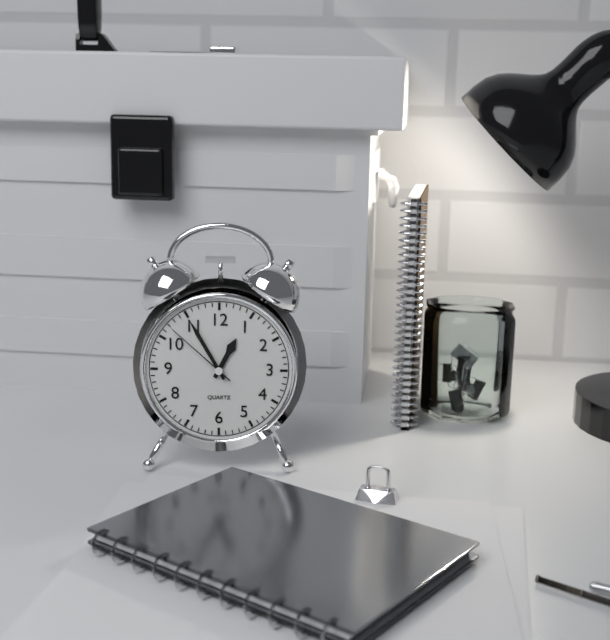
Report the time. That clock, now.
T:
12:55:52
